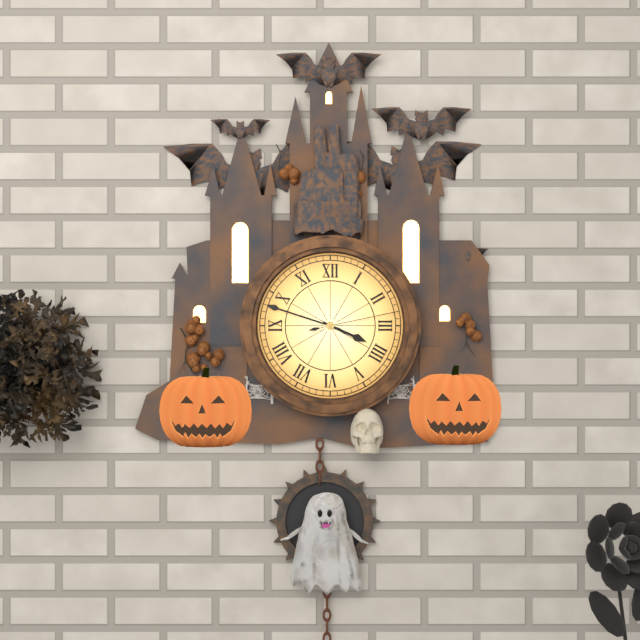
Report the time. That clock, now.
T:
3:48:13
